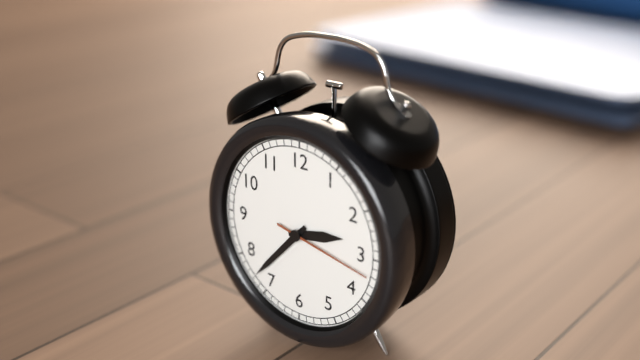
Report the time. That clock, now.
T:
2:37:17
